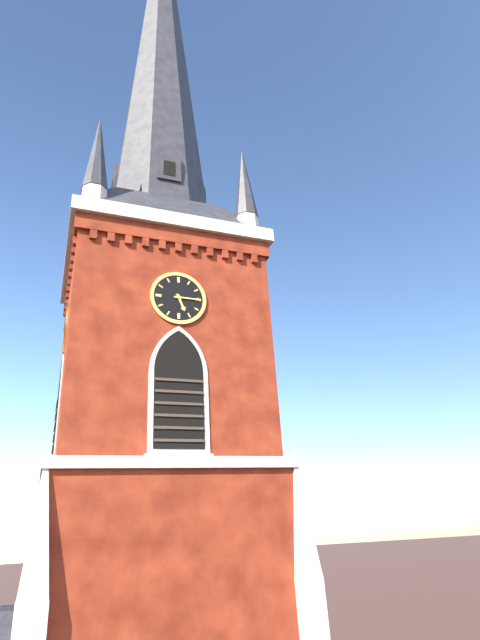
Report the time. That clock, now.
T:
5:15
